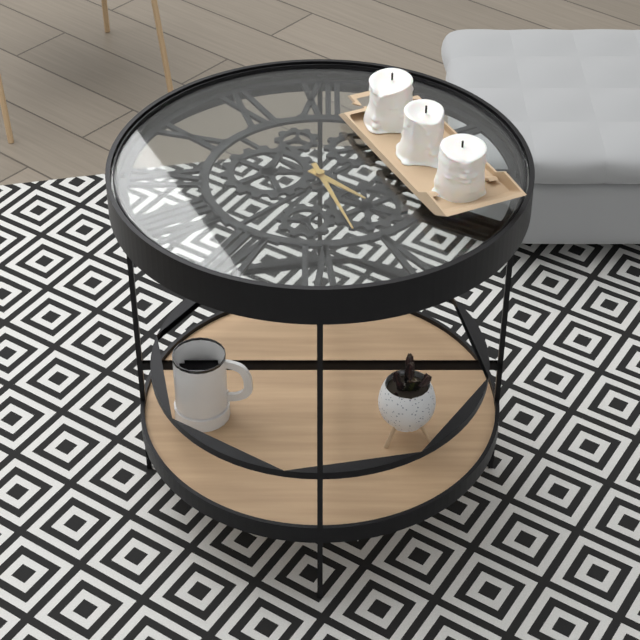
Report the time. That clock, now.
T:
4:27
